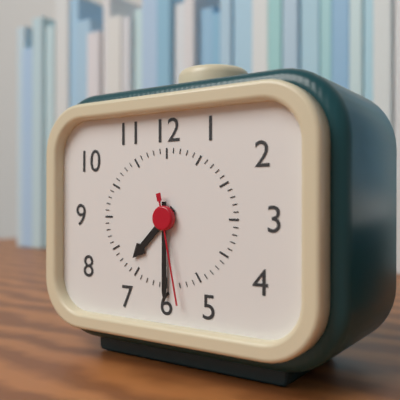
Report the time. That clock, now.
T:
7:30:28
